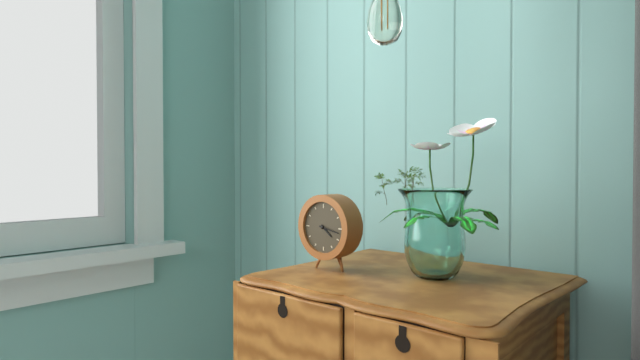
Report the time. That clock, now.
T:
4:17
